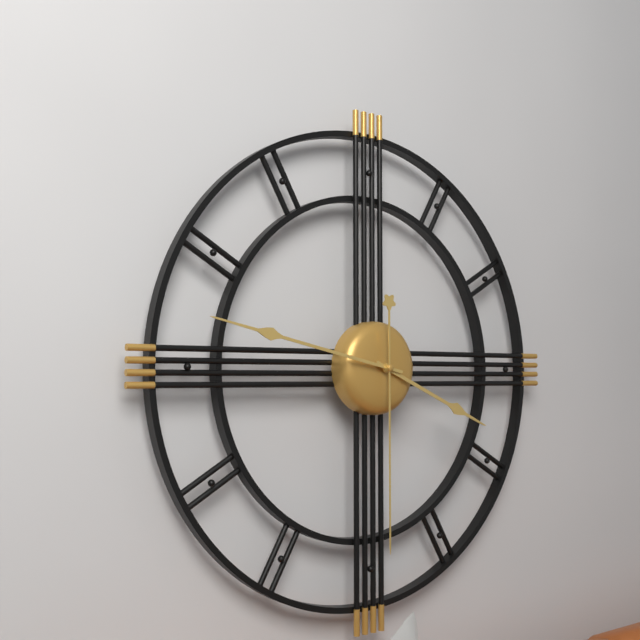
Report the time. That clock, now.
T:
3:47:30
